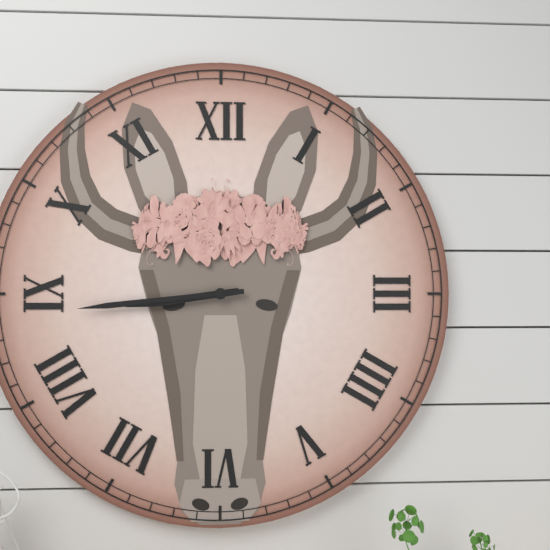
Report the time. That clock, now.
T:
8:44
